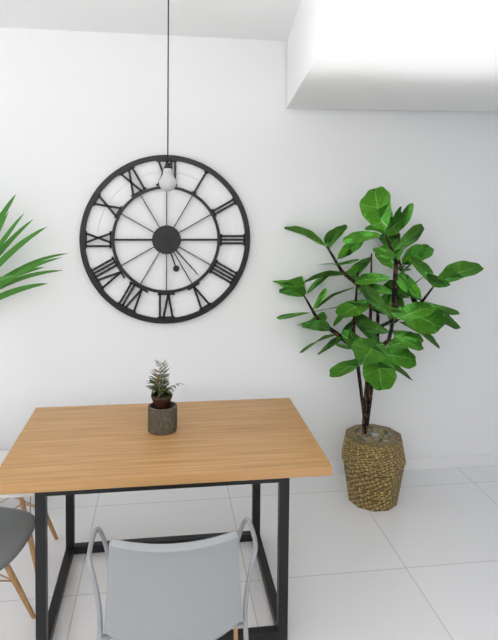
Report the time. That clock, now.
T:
5:23
